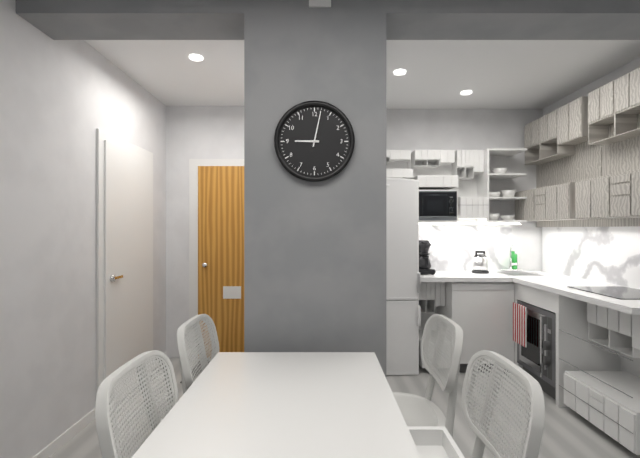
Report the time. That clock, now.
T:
9:02
